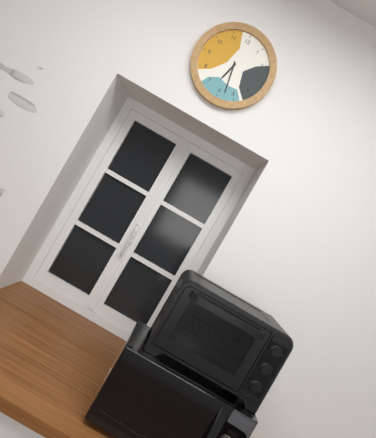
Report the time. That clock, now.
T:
6:28
